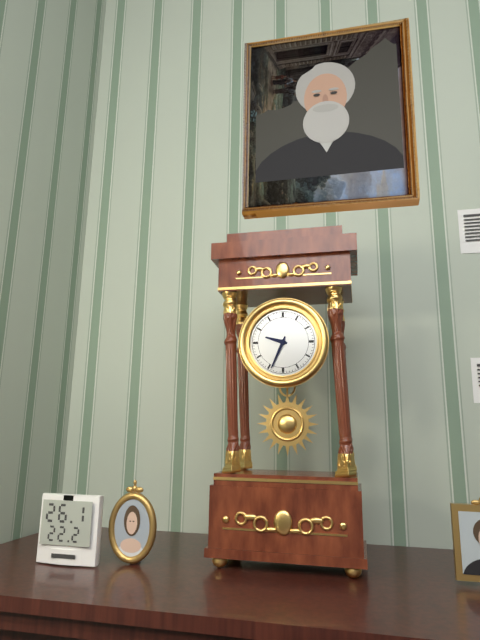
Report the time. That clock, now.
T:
9:34
